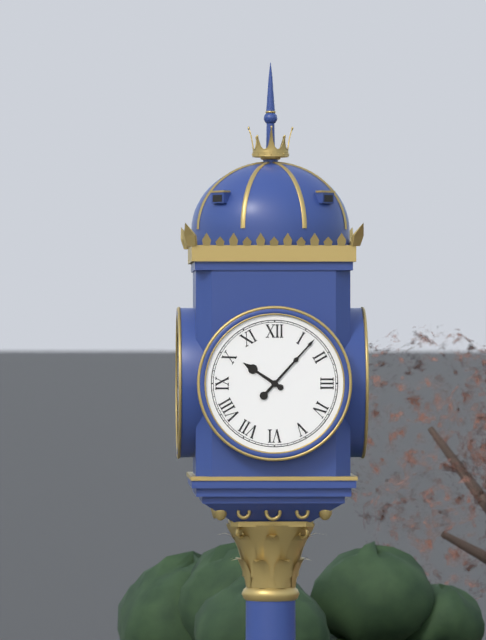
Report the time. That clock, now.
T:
10:07
